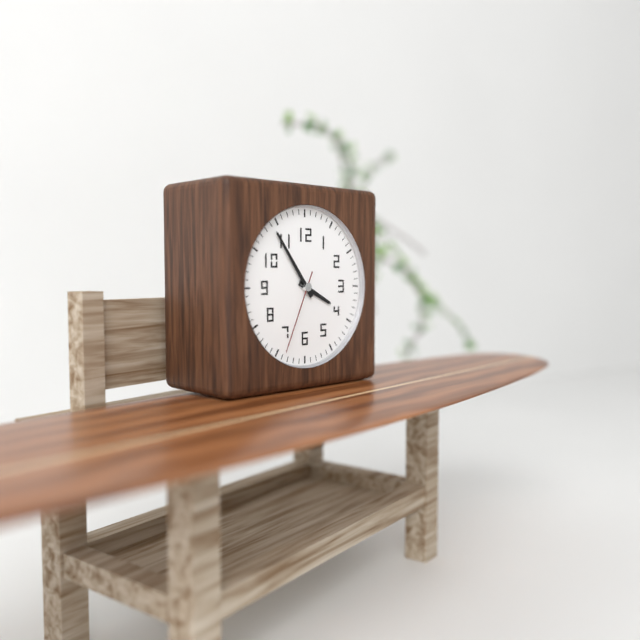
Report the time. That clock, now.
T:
3:54:34
